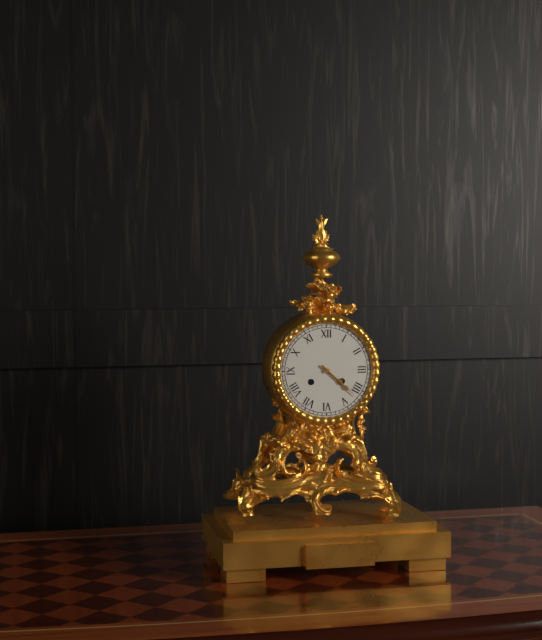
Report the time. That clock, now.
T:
4:22
